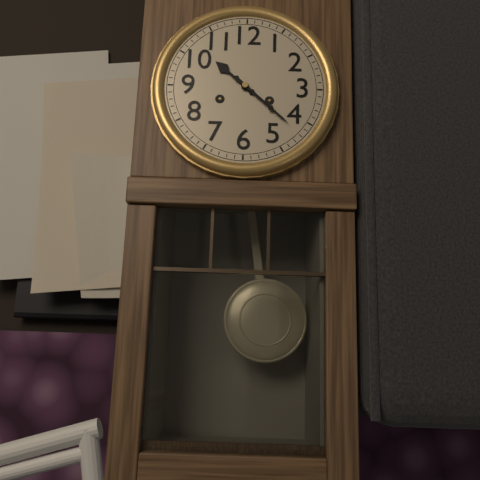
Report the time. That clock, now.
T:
10:22
